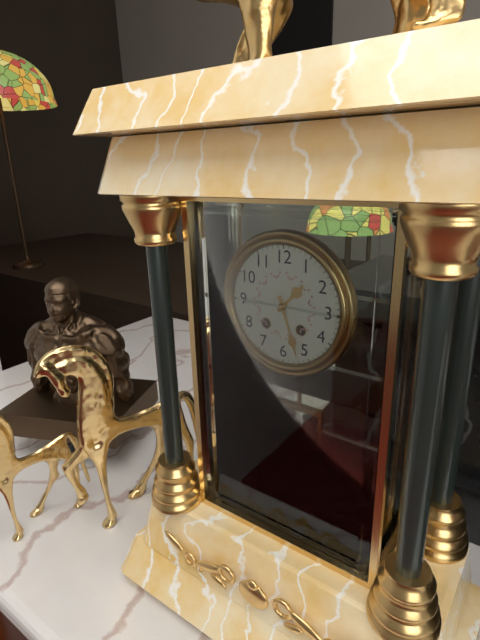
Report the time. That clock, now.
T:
1:27
